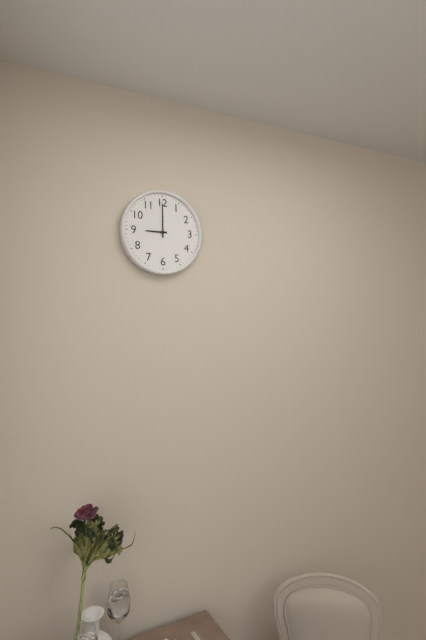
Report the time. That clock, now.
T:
9:00
